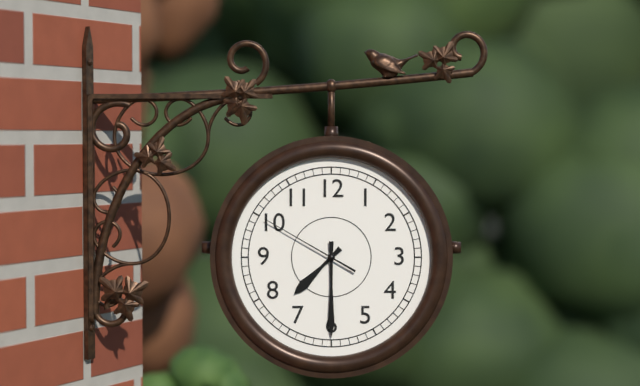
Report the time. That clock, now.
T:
7:30:50
